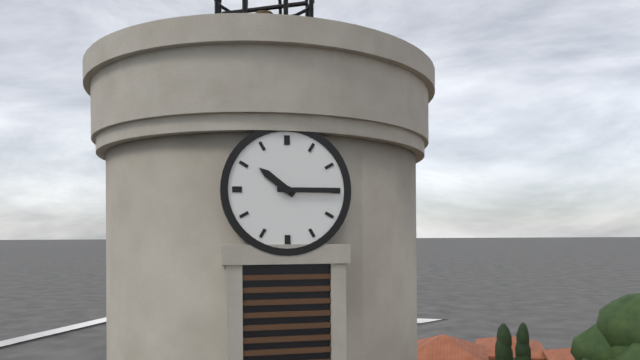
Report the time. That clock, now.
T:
10:15
